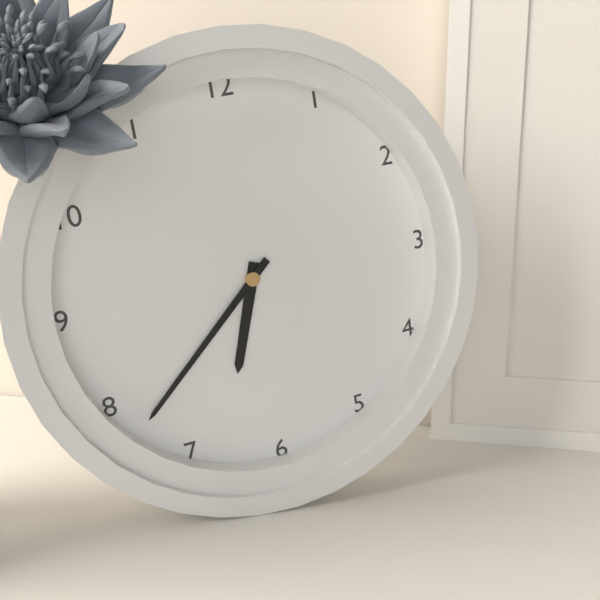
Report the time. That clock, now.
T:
6:38
